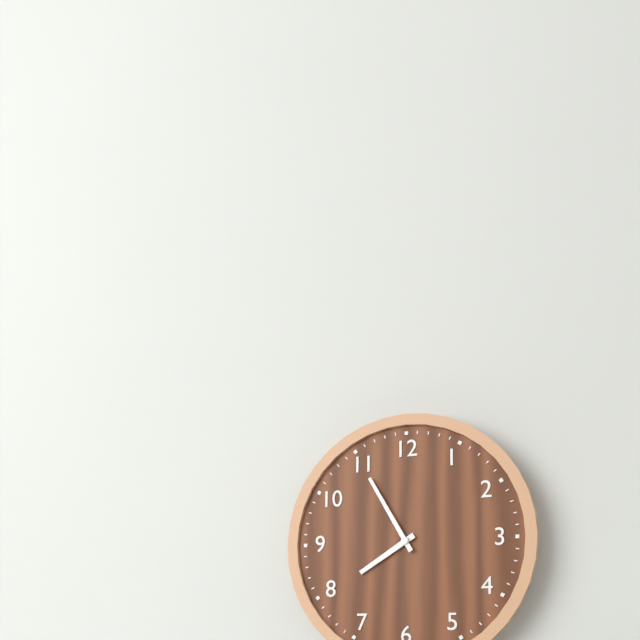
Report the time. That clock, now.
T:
7:55
